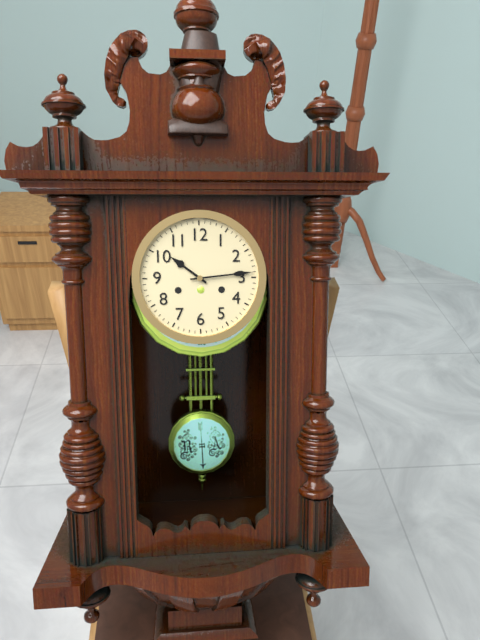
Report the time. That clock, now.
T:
10:14
